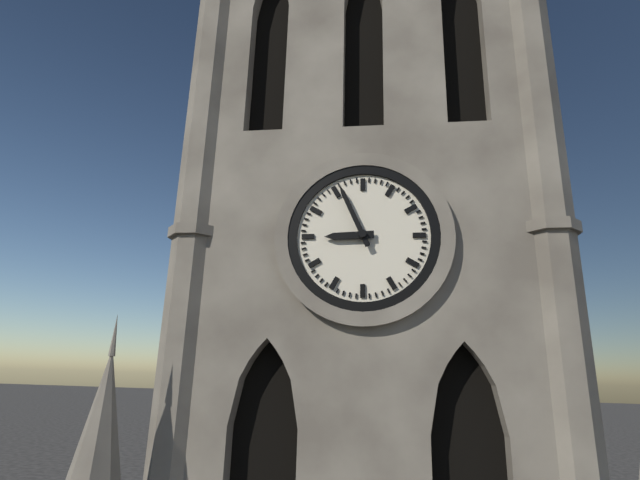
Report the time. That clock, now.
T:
8:56
